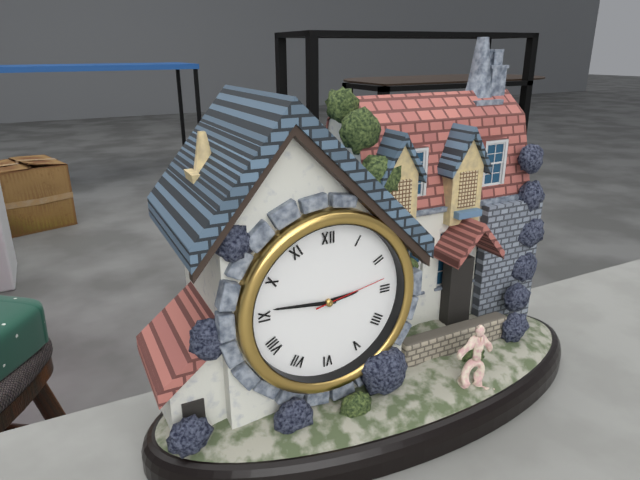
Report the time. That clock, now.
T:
2:46:13
